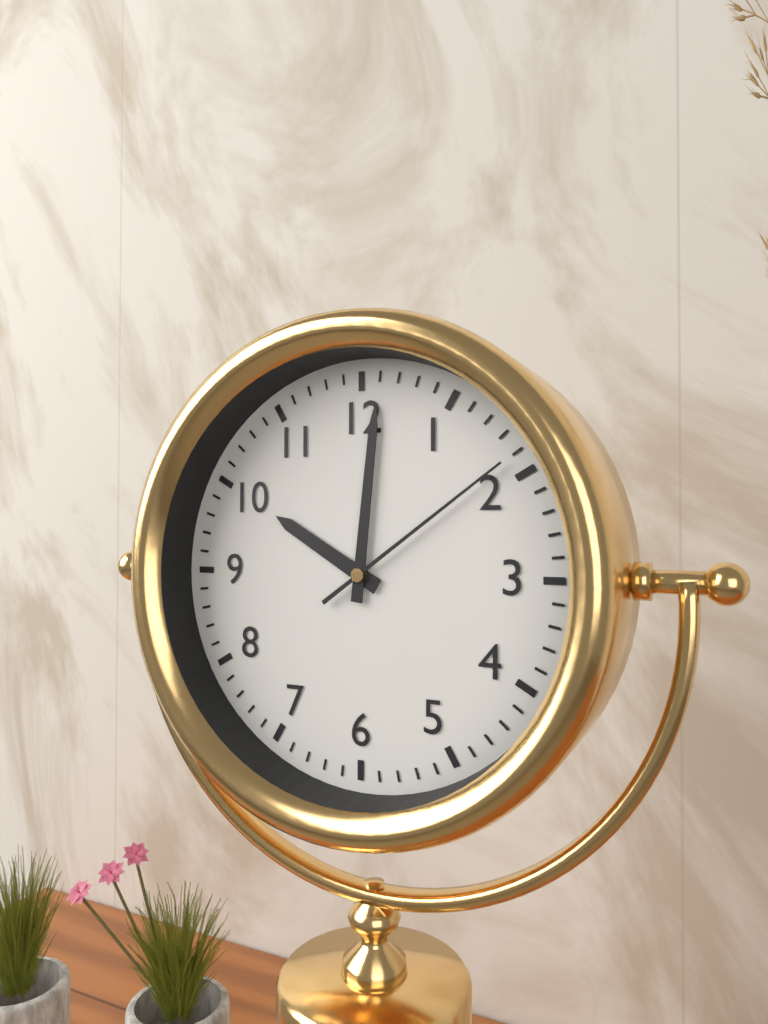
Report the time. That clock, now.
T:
10:01:09
